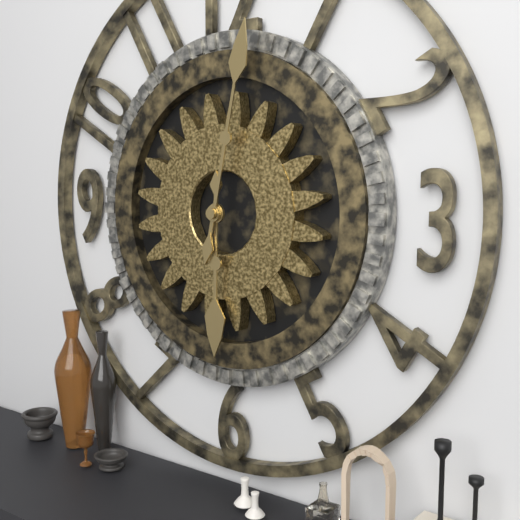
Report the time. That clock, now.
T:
6:02
